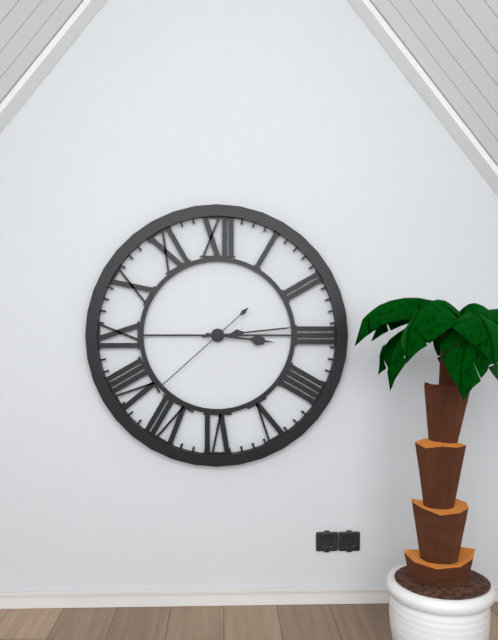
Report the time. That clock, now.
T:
3:14:38
